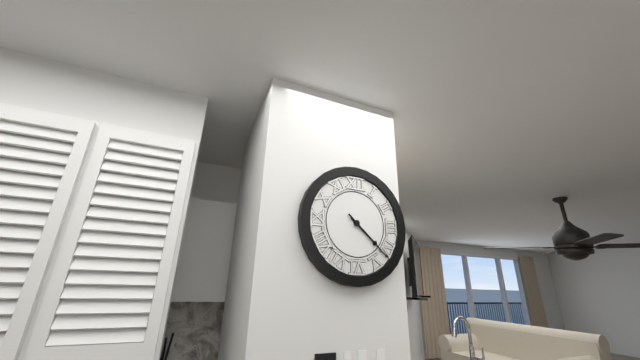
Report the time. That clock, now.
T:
4:22
